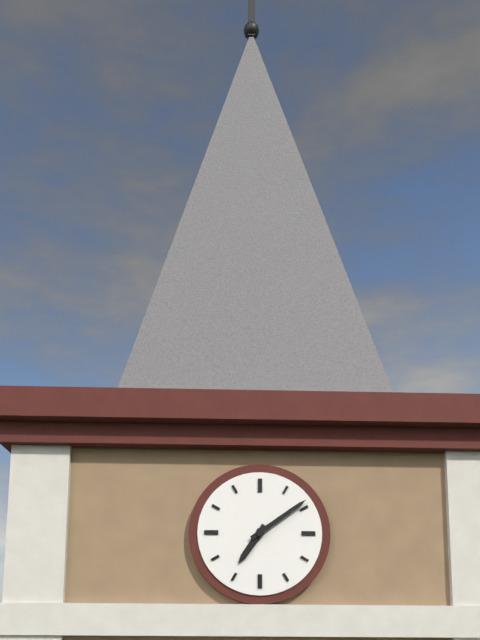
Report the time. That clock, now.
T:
7:09
